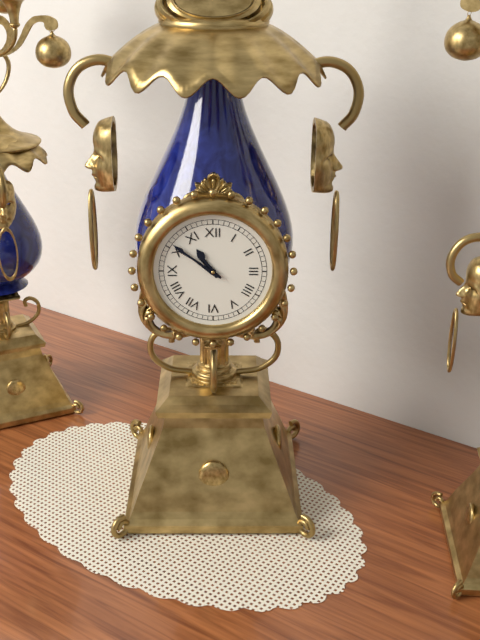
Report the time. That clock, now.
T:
10:51
